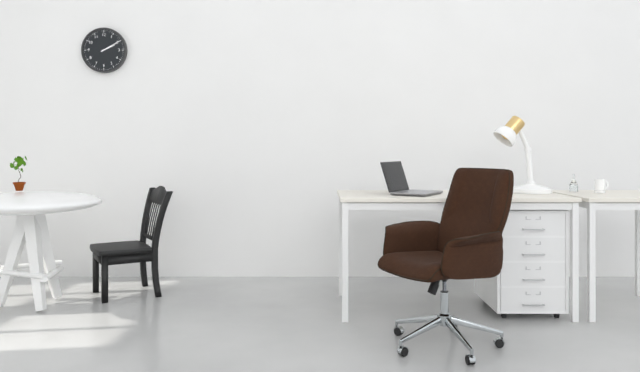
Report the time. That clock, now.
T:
2:10
